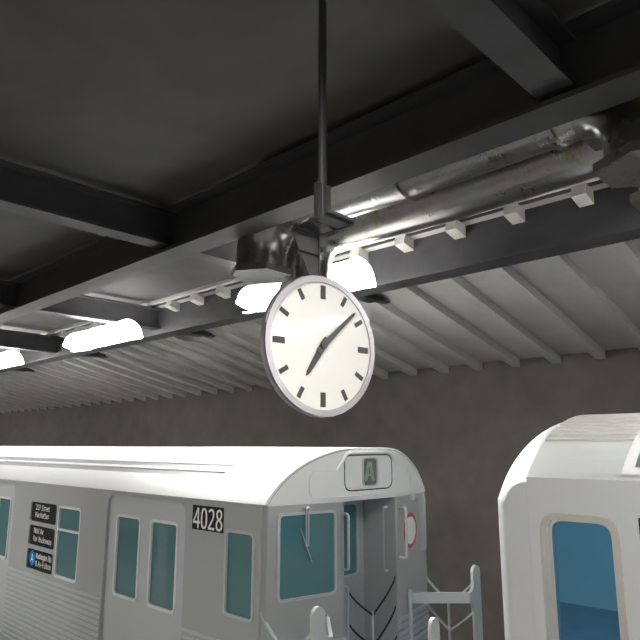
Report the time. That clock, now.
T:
7:08
